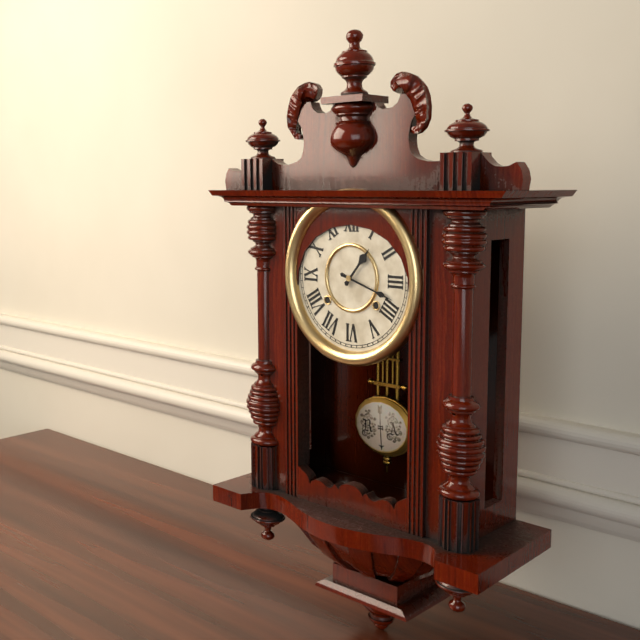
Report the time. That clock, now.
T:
1:18
